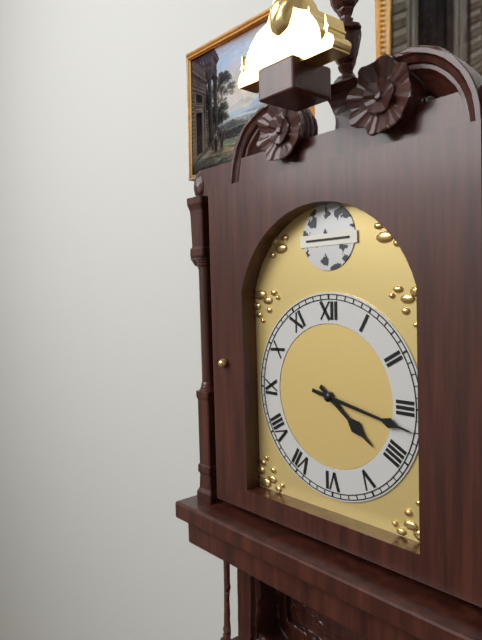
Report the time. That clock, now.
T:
4:17
